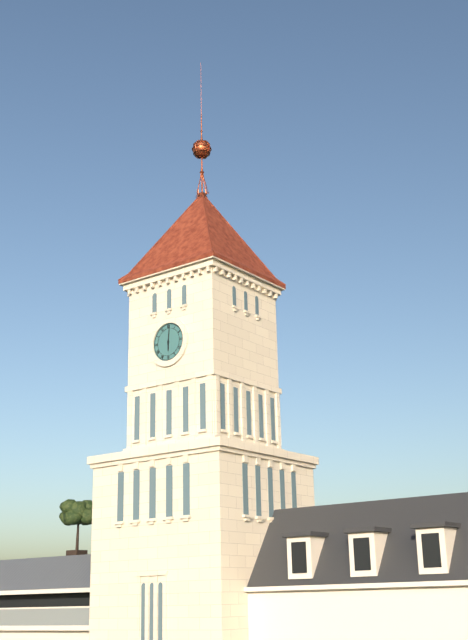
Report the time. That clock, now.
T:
6:01
